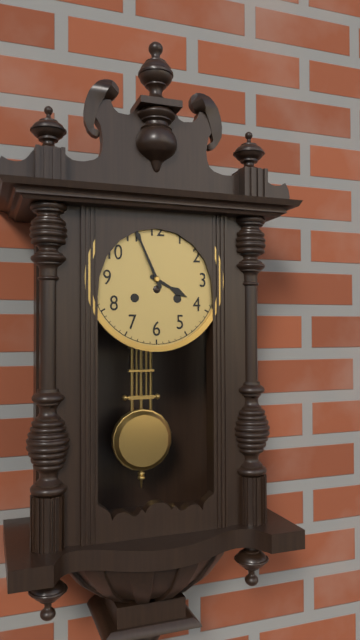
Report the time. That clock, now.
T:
3:56
